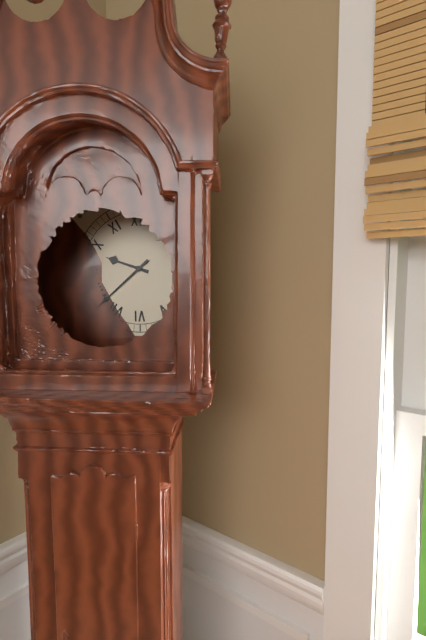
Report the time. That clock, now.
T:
9:38
